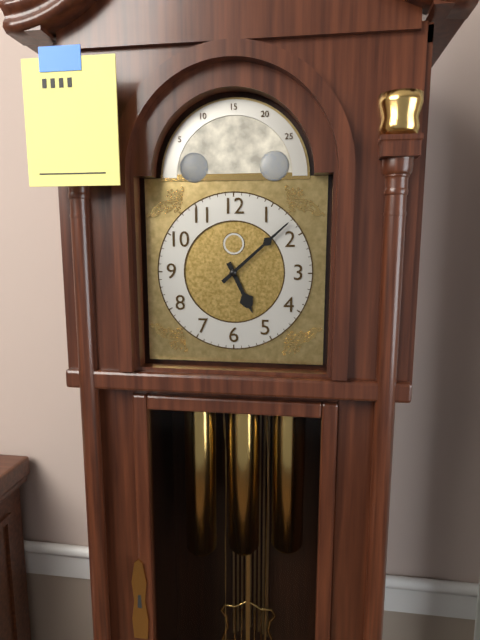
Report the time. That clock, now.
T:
5:08
